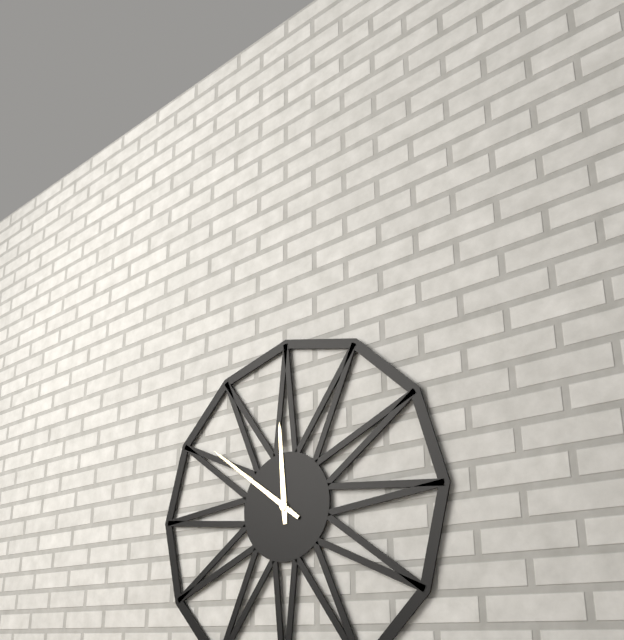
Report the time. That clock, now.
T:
11:51
